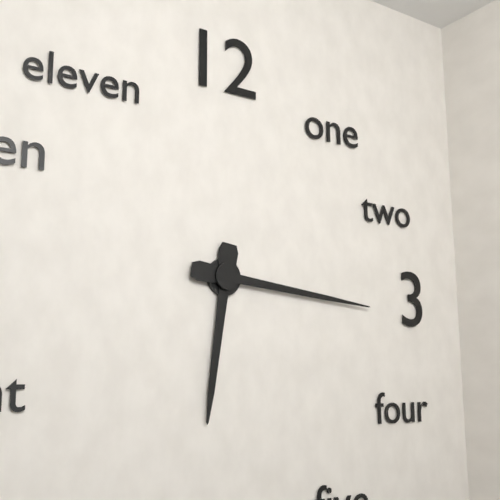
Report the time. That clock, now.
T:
6:16
